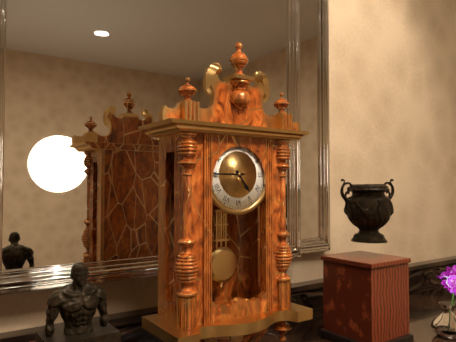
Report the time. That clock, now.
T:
4:45
